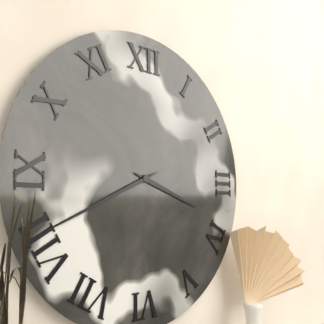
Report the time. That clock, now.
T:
3:41
